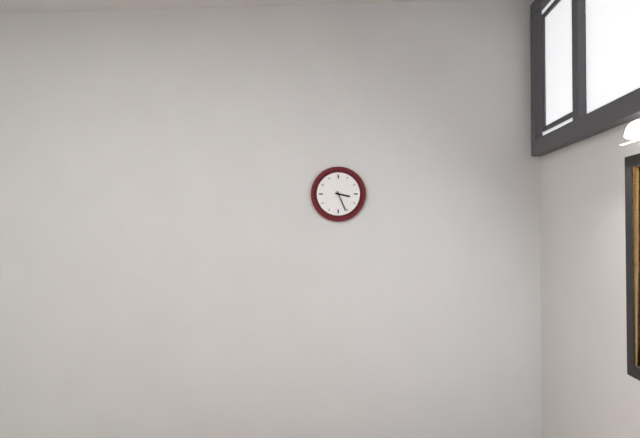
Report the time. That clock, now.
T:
3:26
